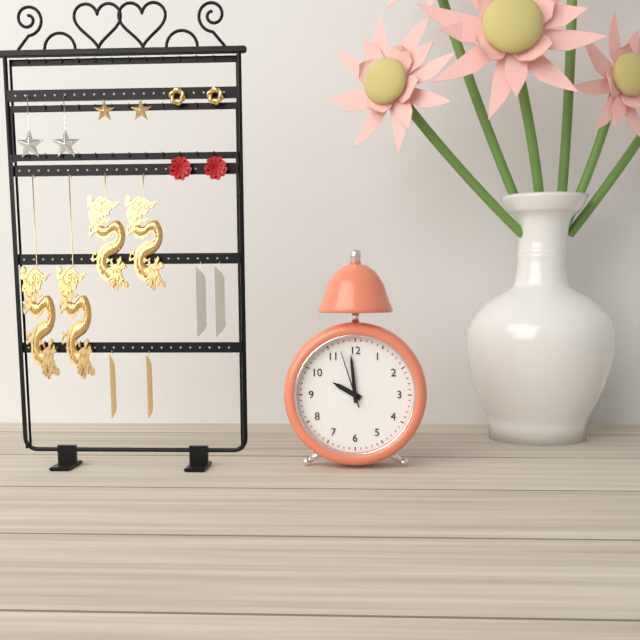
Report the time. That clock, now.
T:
9:59:57
